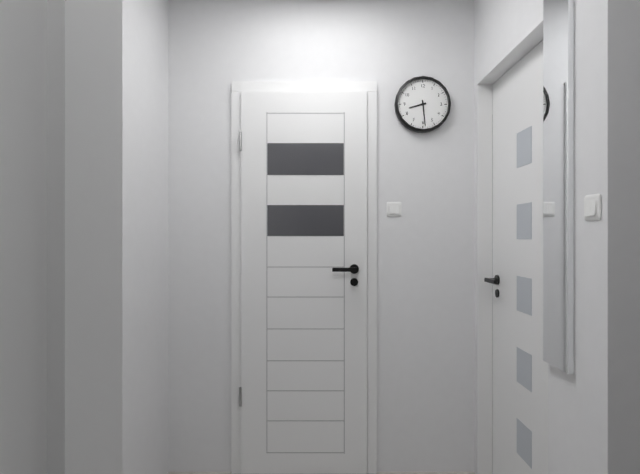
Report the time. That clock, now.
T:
8:29
